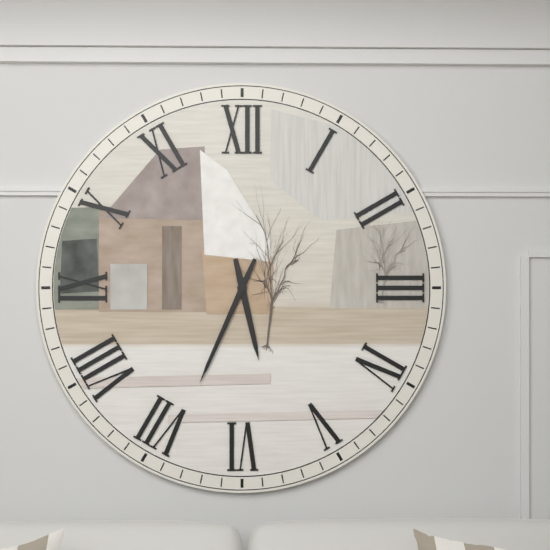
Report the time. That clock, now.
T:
5:34
